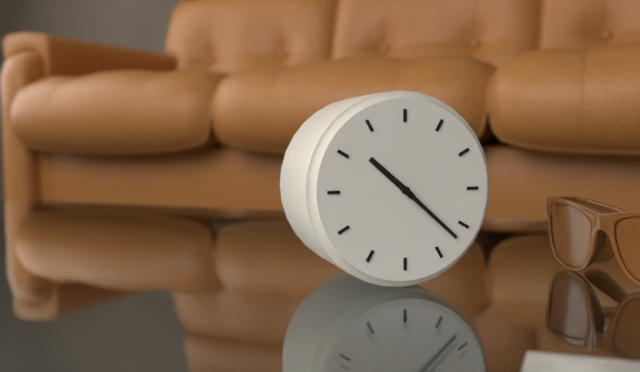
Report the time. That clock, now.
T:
10:22
